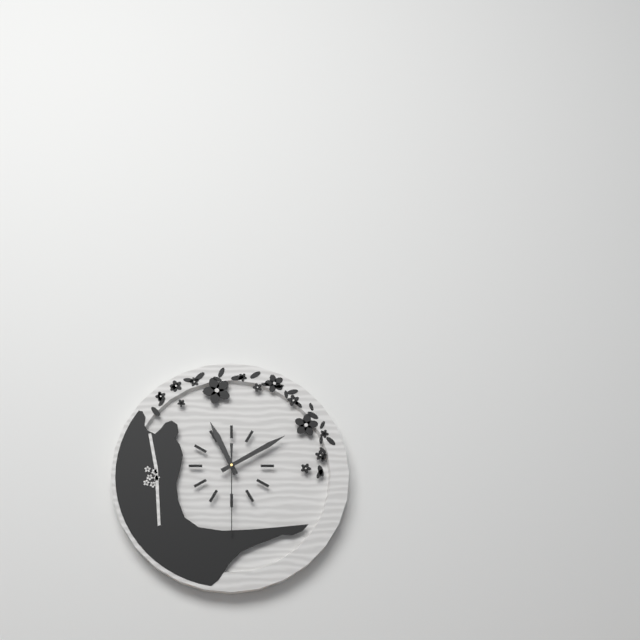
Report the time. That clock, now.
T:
11:10:30
